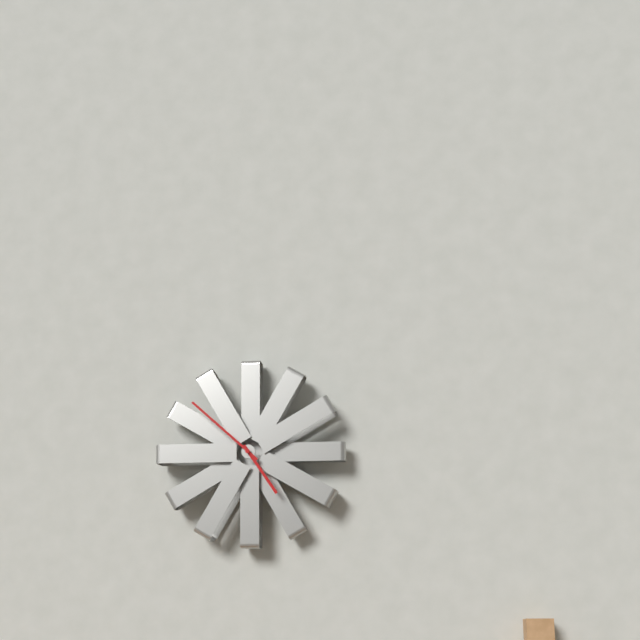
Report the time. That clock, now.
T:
4:52
